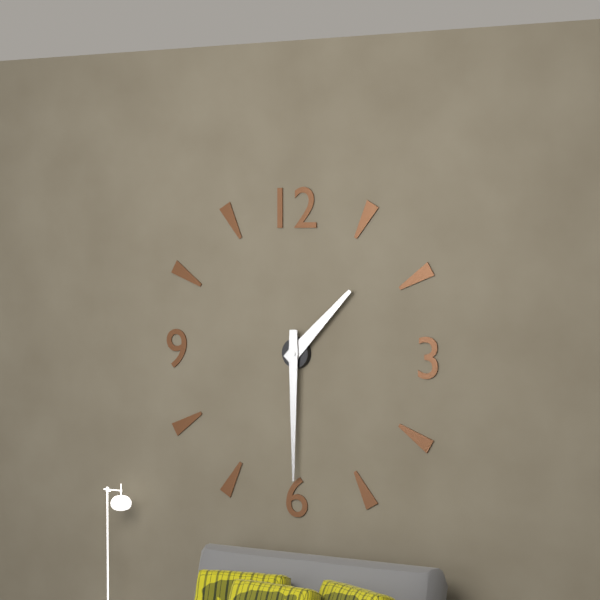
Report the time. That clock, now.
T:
1:30
